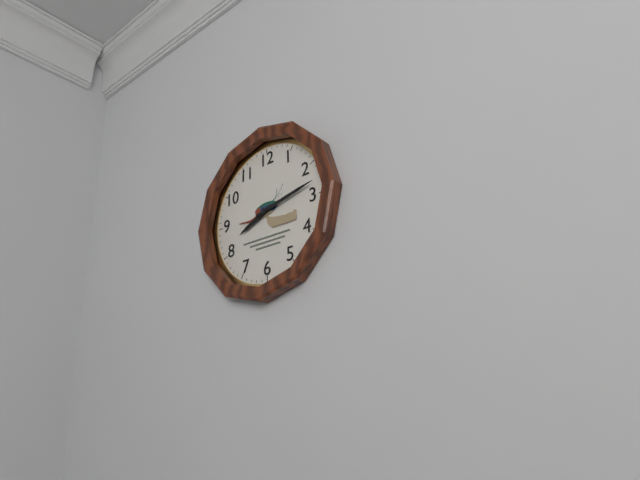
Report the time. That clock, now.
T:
8:13
